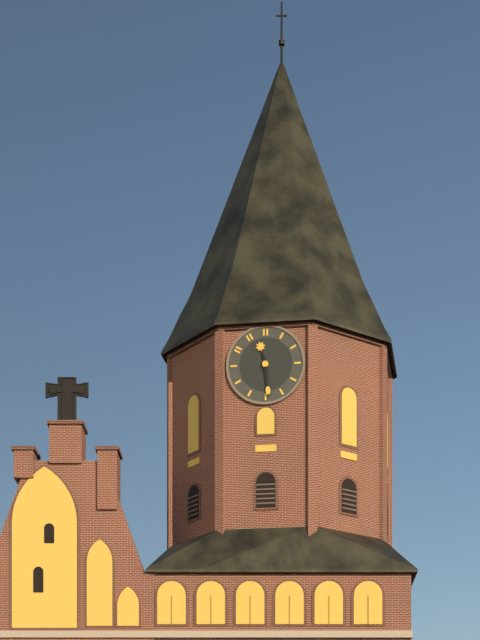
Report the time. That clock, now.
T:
11:29
